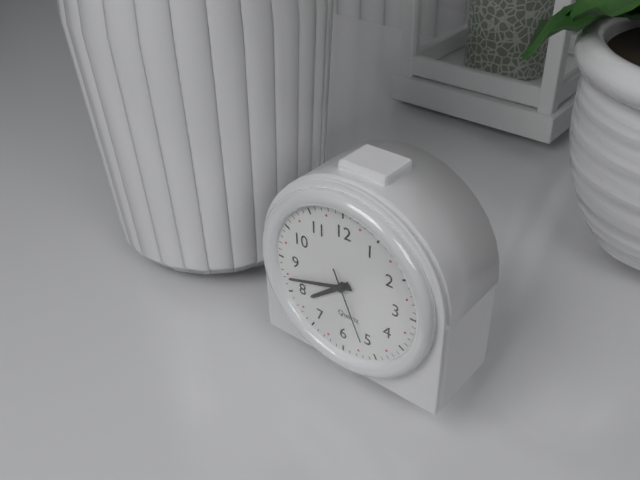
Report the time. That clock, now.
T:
7:42:26
